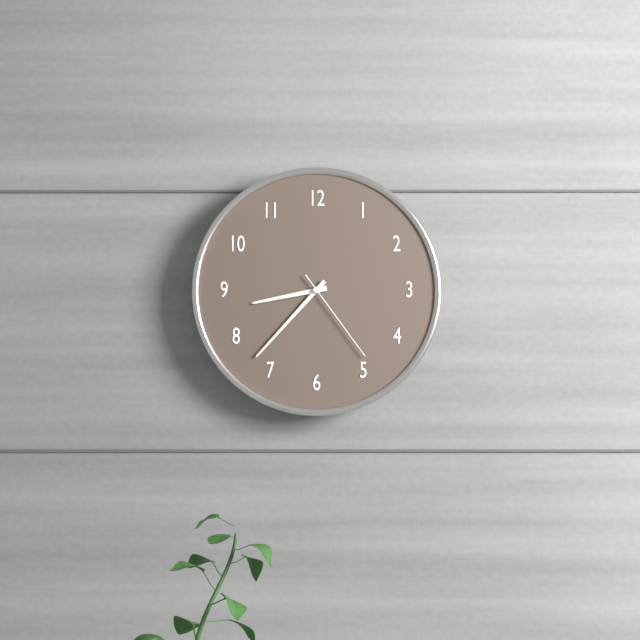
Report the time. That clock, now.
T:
8:37:24
